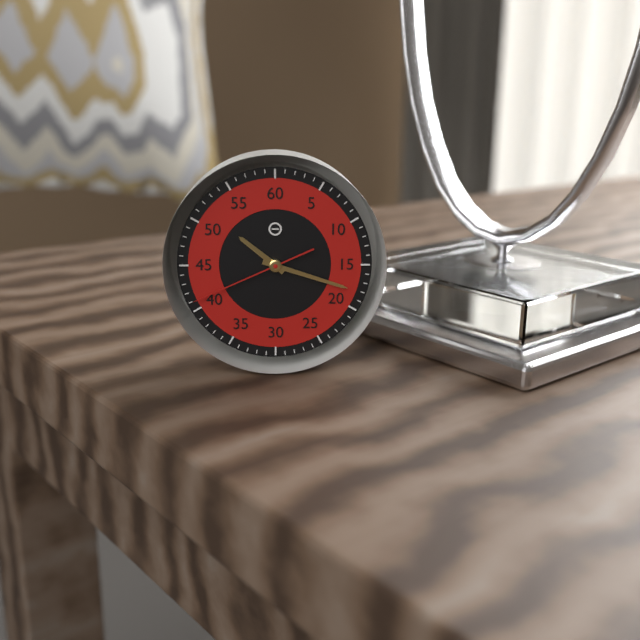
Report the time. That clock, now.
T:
10:18:41
